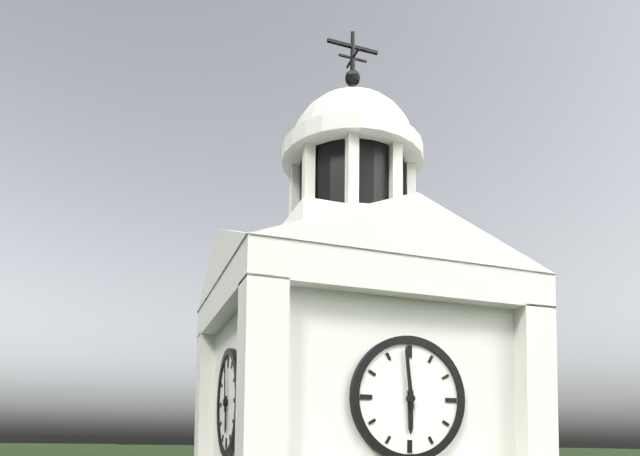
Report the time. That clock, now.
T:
5:59
